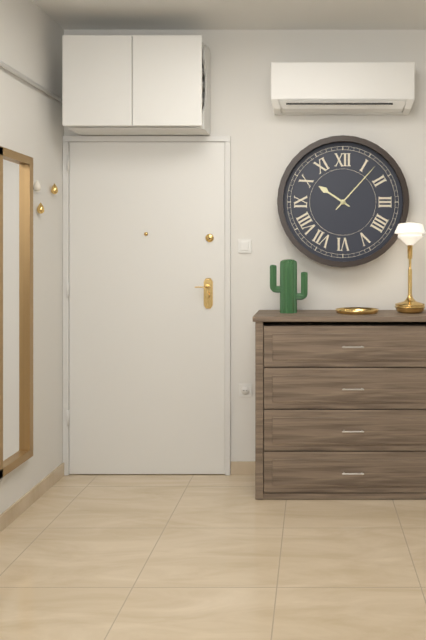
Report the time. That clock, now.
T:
10:07
